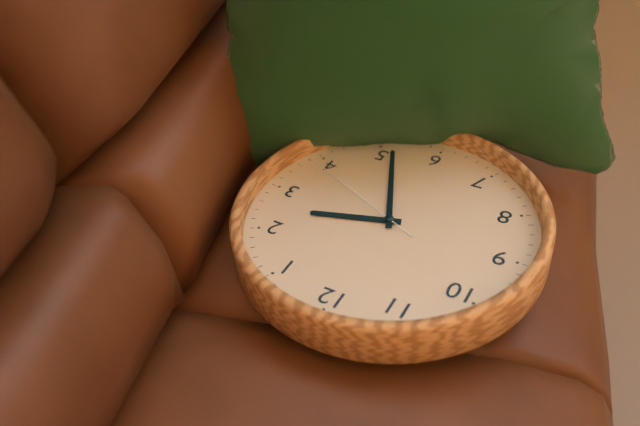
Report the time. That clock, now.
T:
2:26:19
